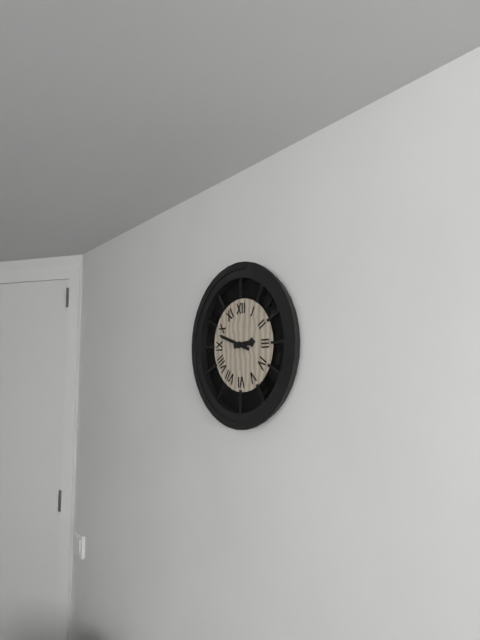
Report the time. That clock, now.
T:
2:48
